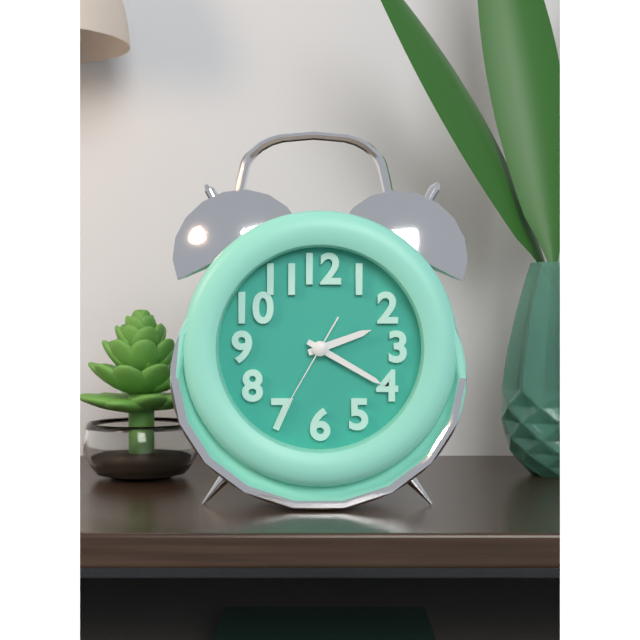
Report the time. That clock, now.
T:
2:20:35
